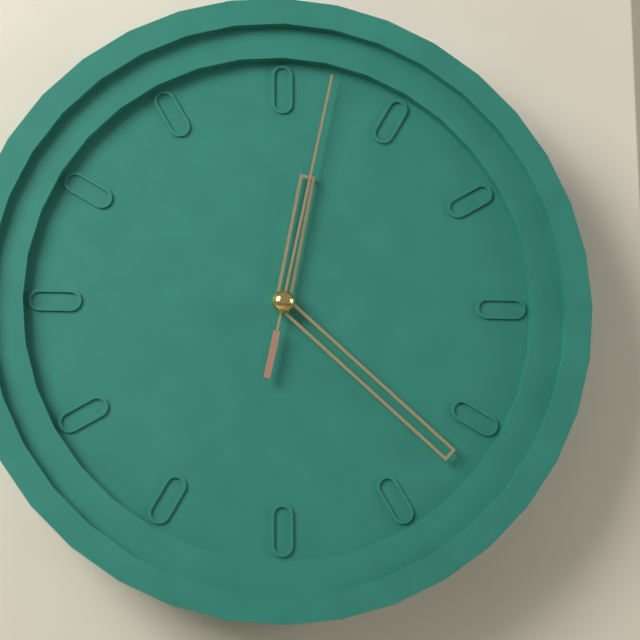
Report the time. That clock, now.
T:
12:22:02
